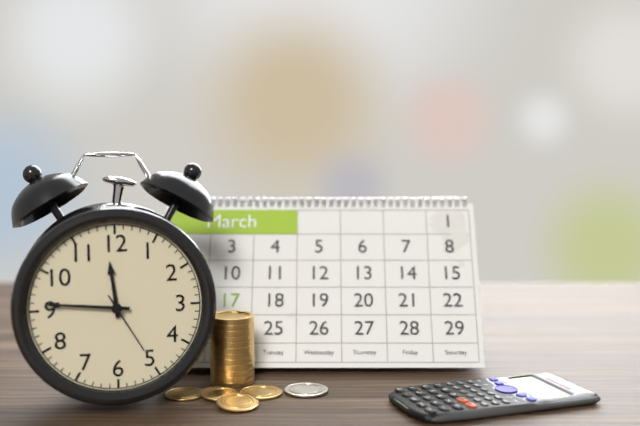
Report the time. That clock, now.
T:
11:46:25
